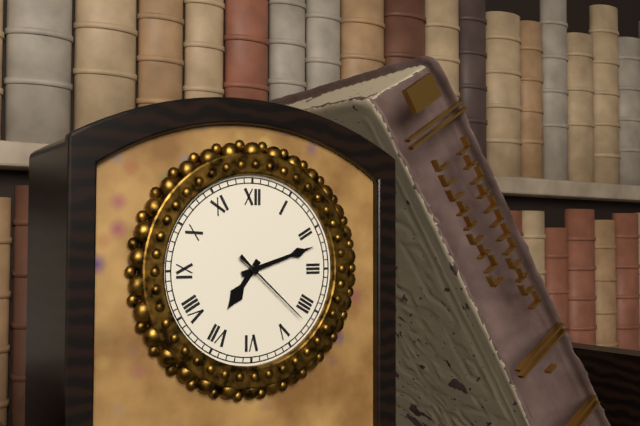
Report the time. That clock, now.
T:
7:12:22
